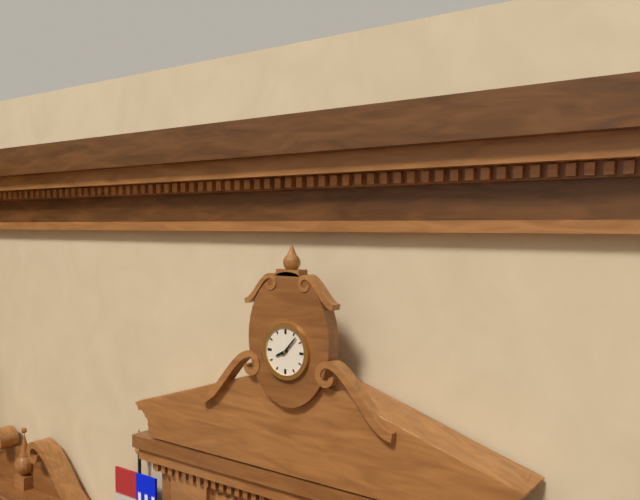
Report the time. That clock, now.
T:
8:07
